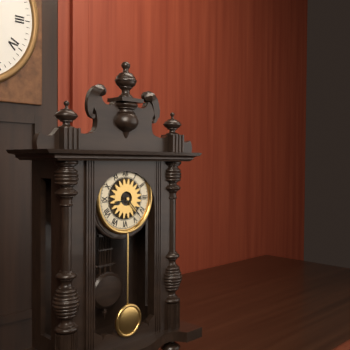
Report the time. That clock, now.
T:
8:23
